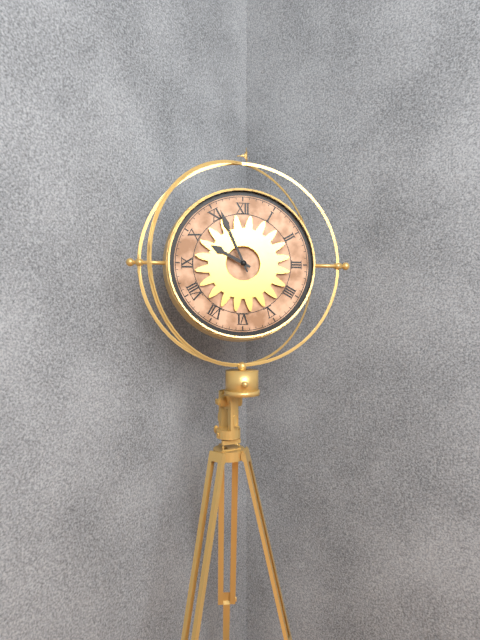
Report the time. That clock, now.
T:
9:56
